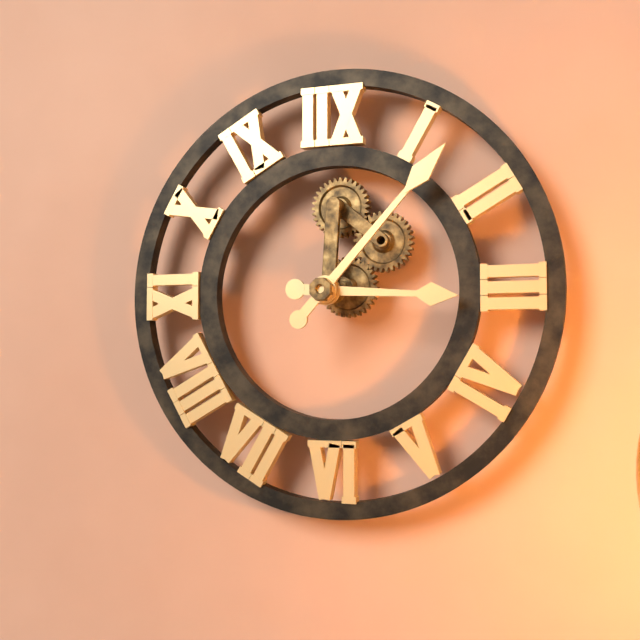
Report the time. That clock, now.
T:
3:07
